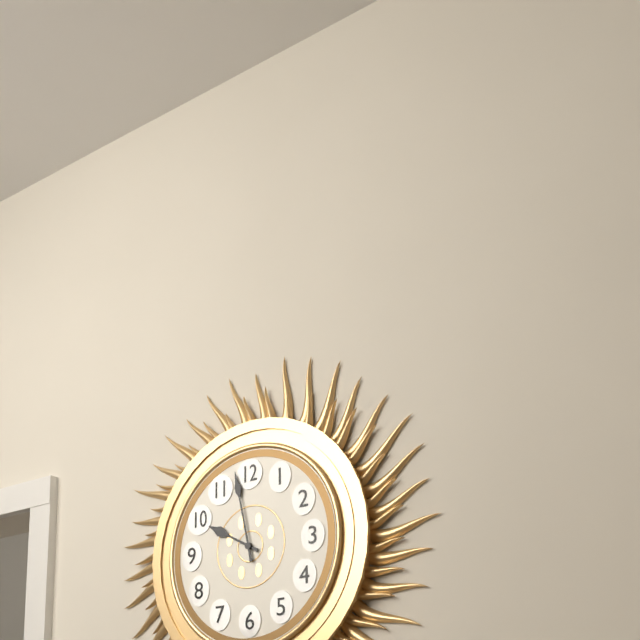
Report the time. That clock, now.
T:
9:58
